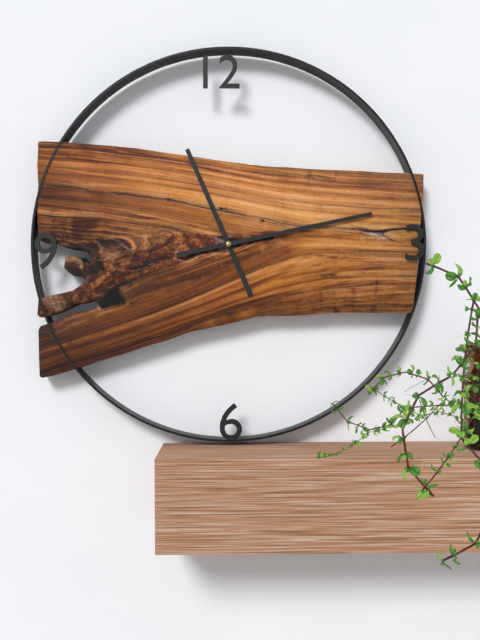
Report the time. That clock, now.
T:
11:13
